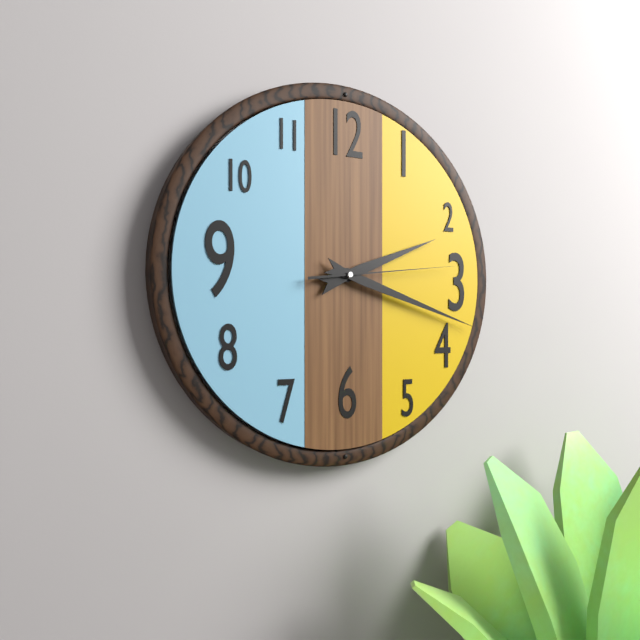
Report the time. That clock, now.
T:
2:18:14
